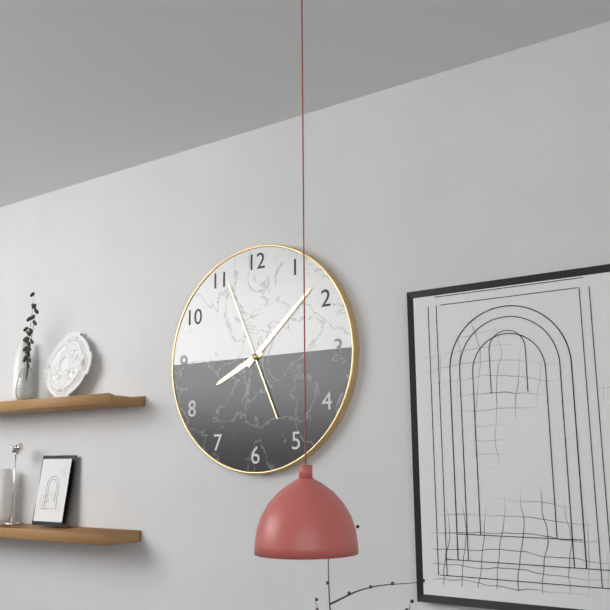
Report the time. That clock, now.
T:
8:08:56
